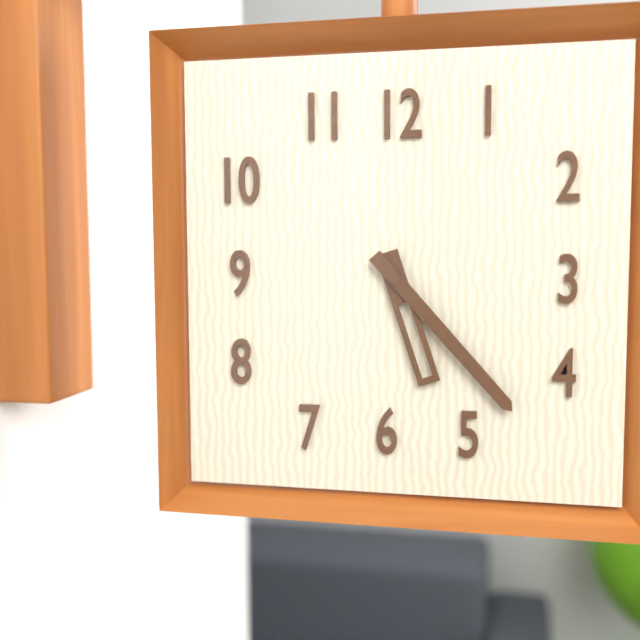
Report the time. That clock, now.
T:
5:23
